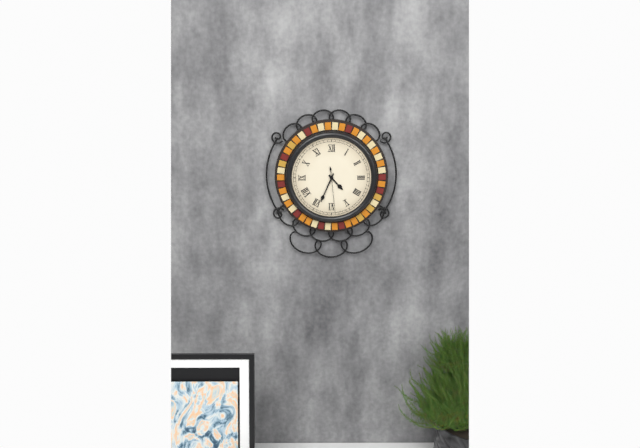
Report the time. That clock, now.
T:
4:34
